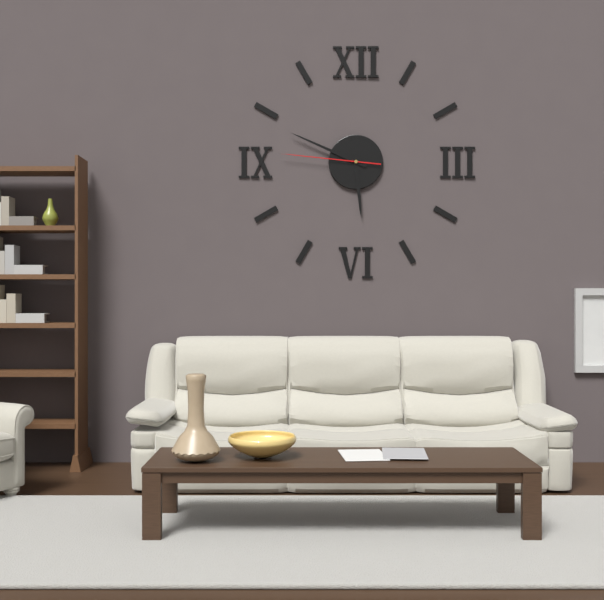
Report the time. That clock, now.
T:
5:49:46
